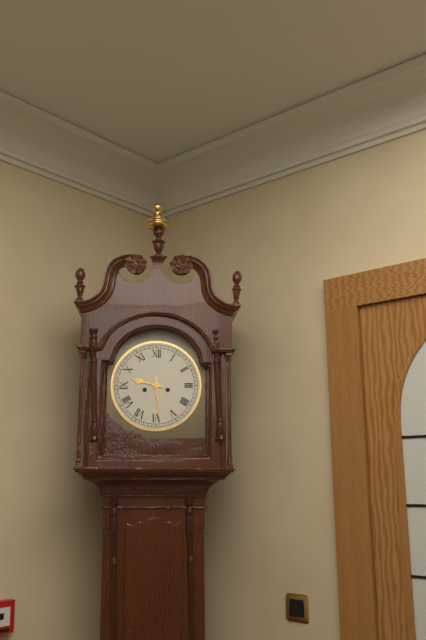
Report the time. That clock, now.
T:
9:29
